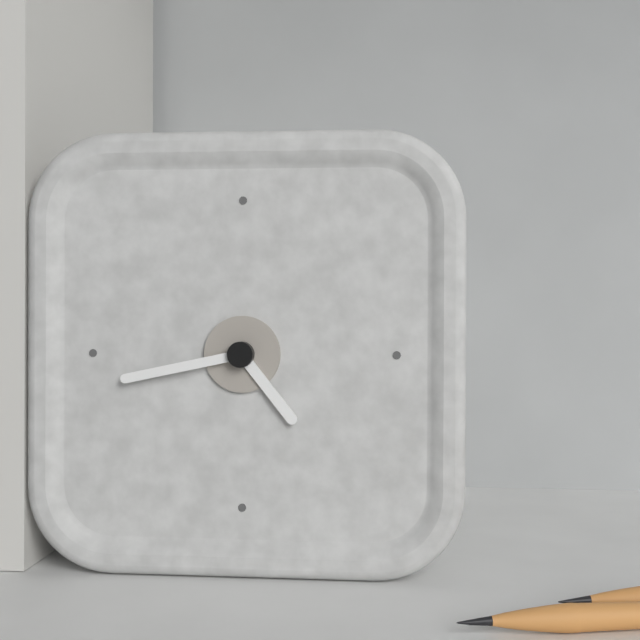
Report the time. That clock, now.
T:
4:43
